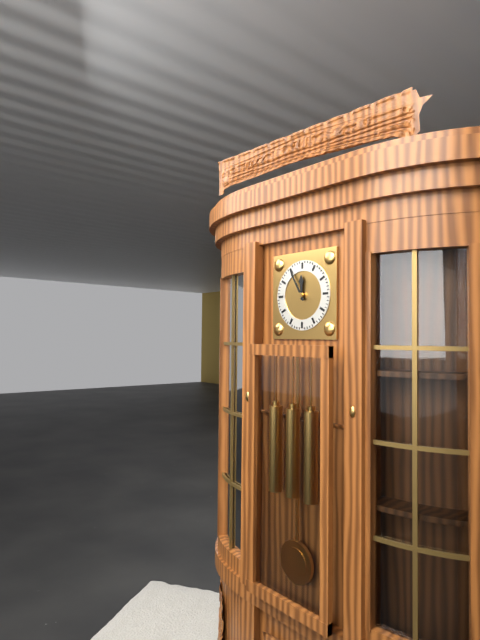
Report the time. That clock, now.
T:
11:55
